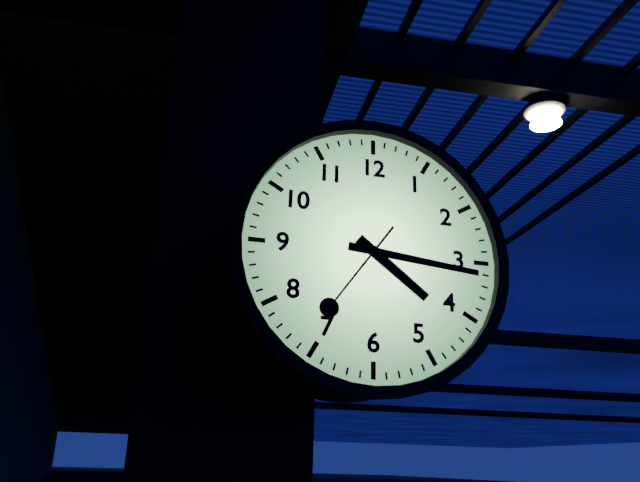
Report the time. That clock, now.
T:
4:16:36
